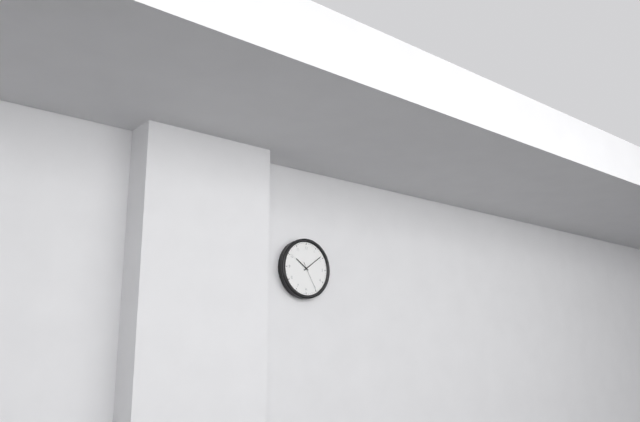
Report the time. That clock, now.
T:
10:09
